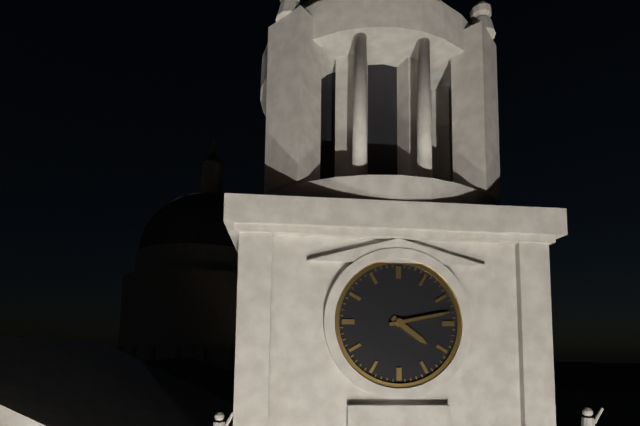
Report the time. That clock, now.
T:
4:13
